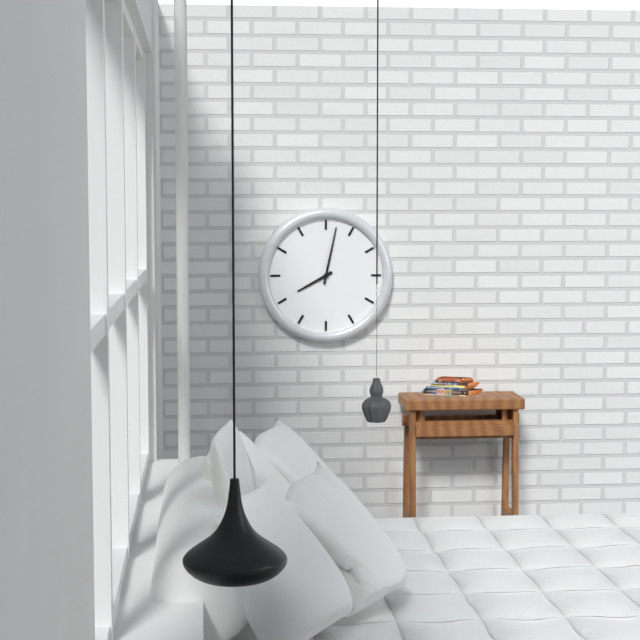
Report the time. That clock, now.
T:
8:02
